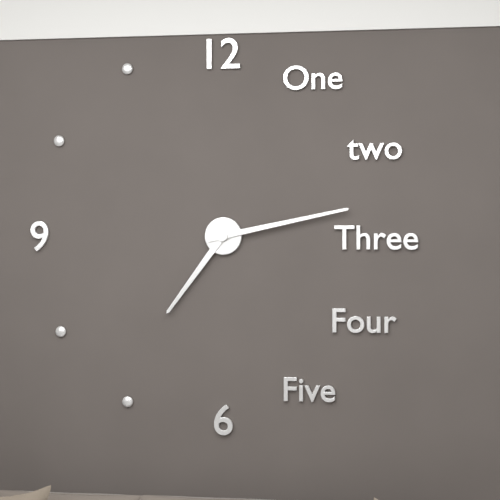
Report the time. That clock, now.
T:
7:13
